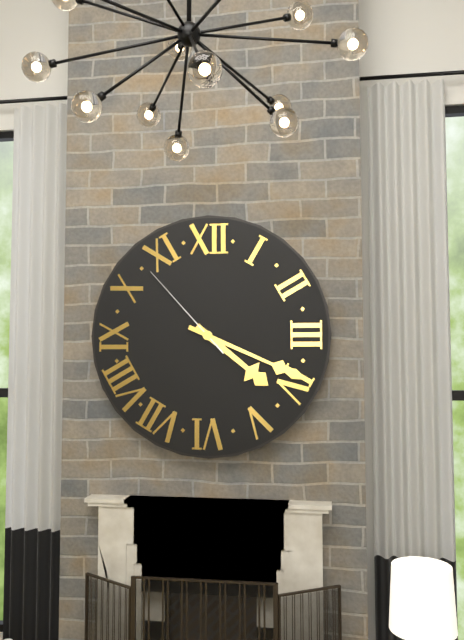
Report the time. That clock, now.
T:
4:19:53
